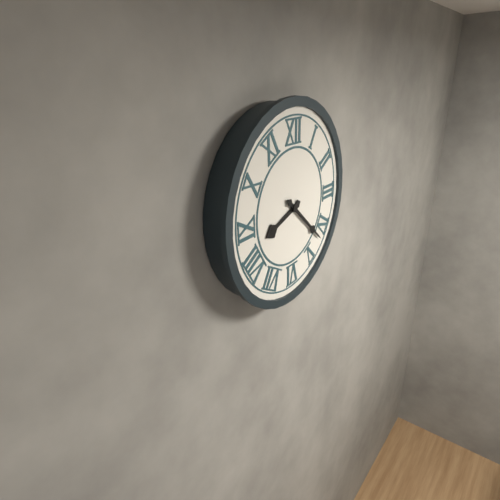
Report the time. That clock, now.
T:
8:22
